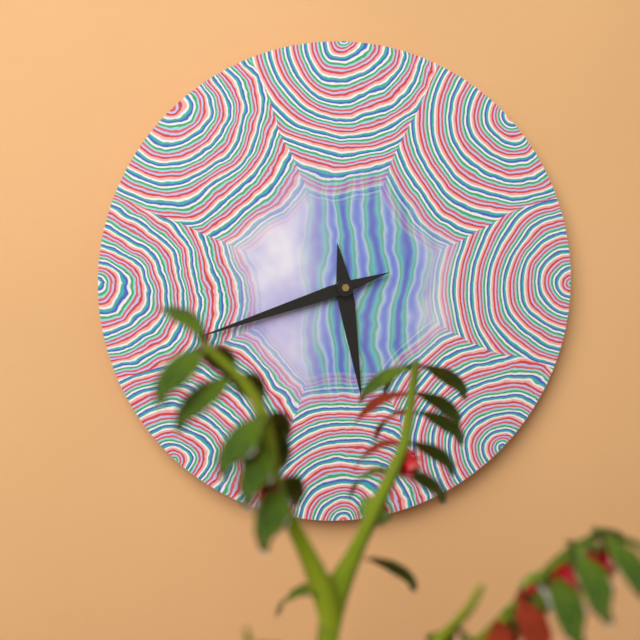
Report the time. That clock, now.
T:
5:42
